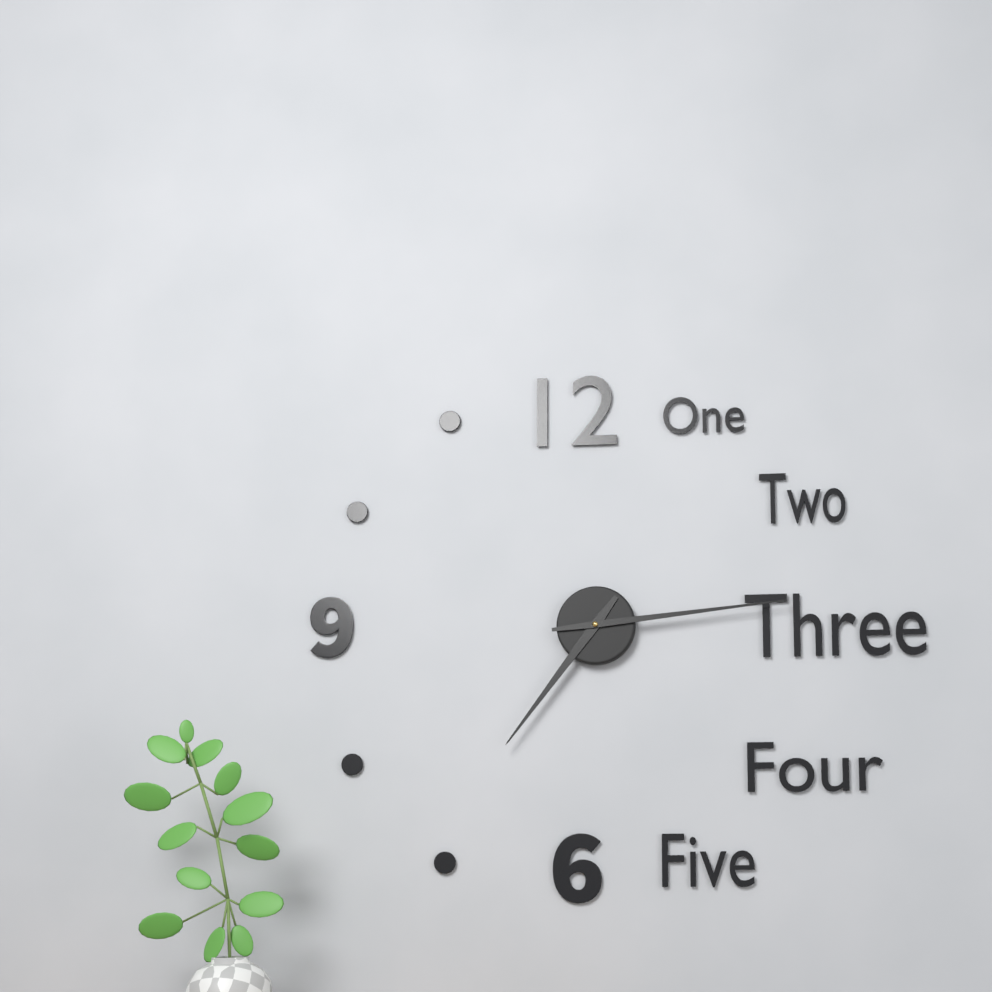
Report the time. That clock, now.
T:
7:14
